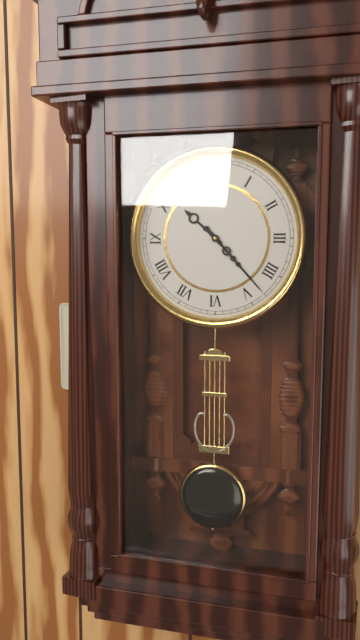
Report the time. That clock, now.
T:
10:23
